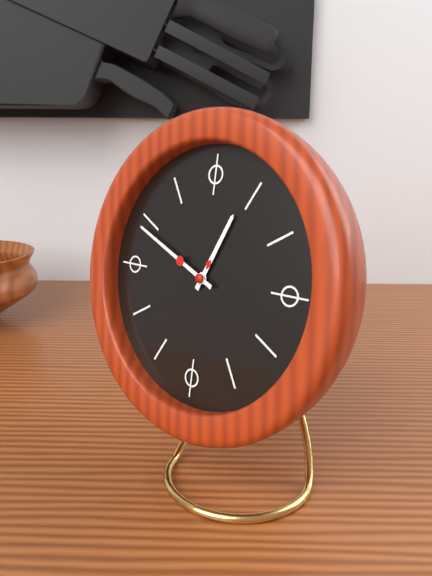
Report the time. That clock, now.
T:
12:49
